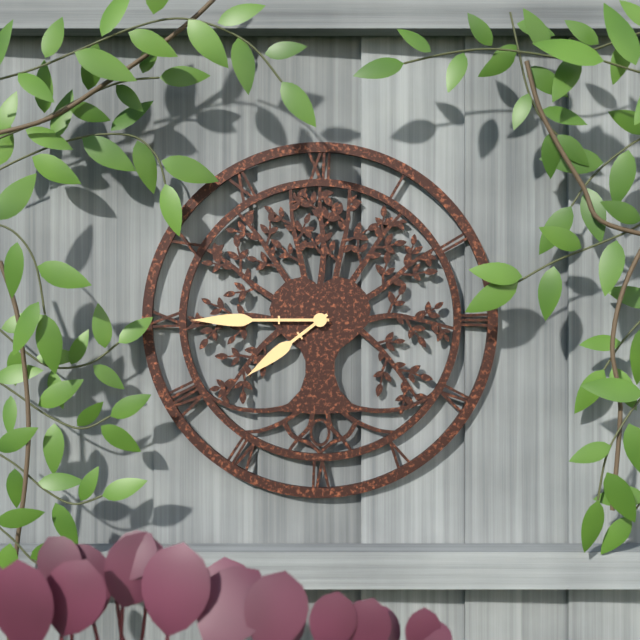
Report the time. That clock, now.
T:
7:45
